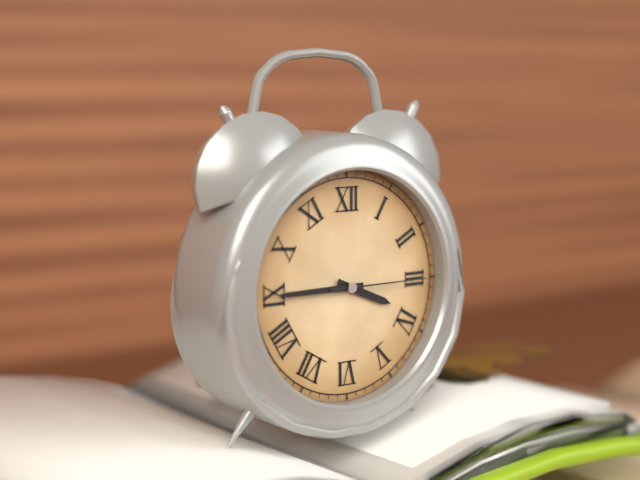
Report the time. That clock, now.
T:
3:45:15
